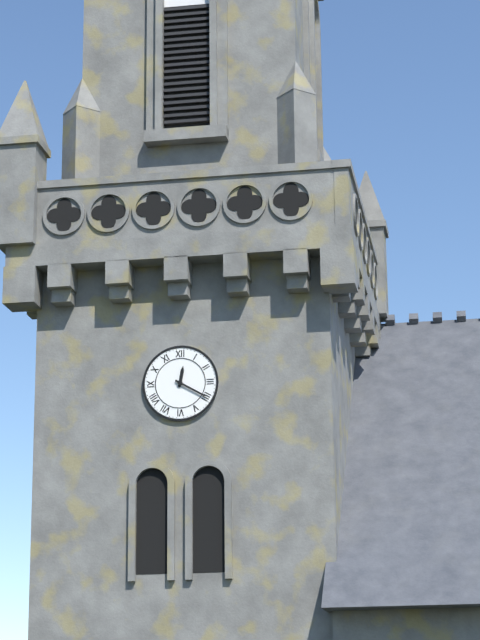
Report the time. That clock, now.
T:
12:20
